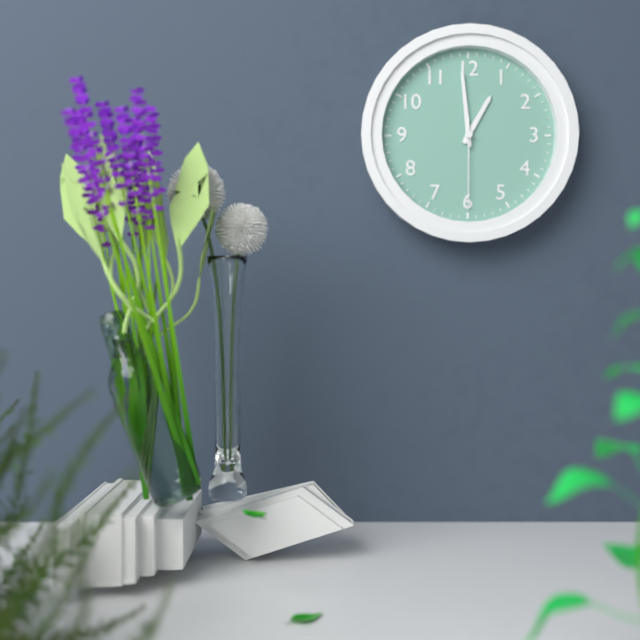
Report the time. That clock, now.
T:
12:59:30
